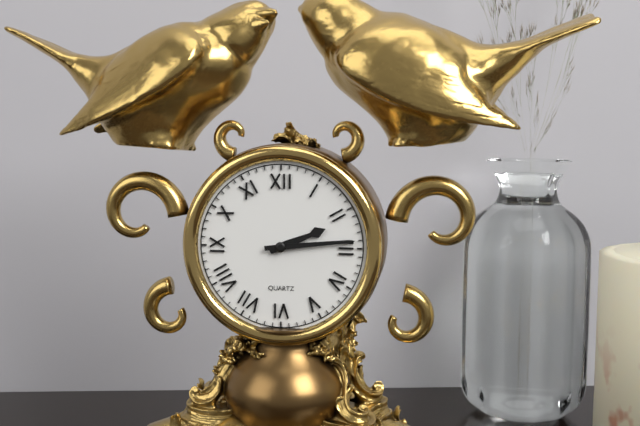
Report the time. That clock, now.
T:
2:14
